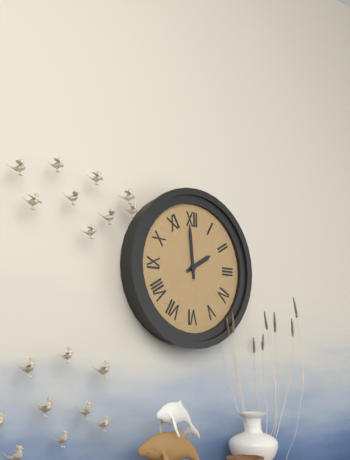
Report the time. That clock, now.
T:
1:59
